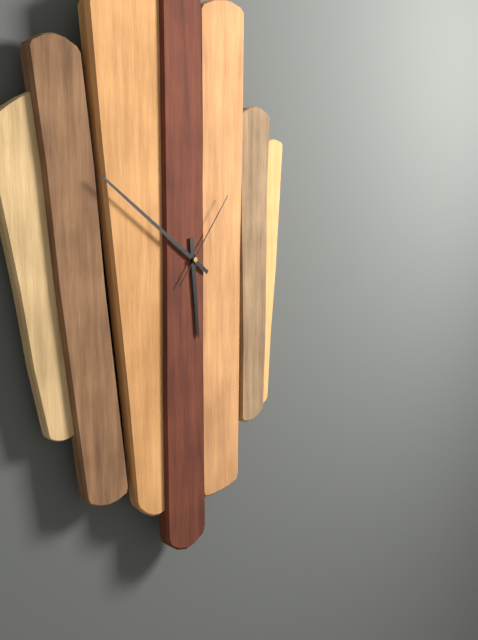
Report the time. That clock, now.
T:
5:51:06
